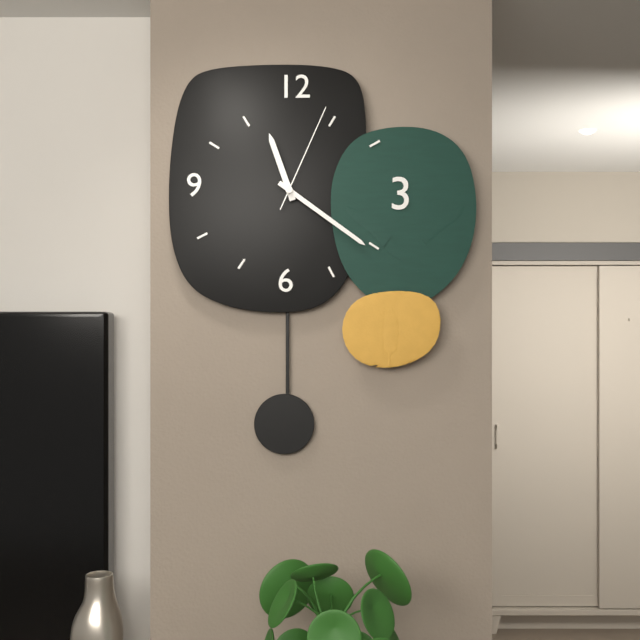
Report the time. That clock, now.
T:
11:21:04
